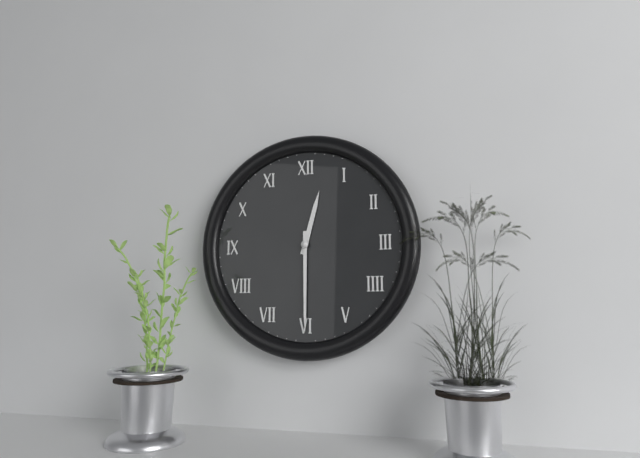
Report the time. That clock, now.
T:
12:30
